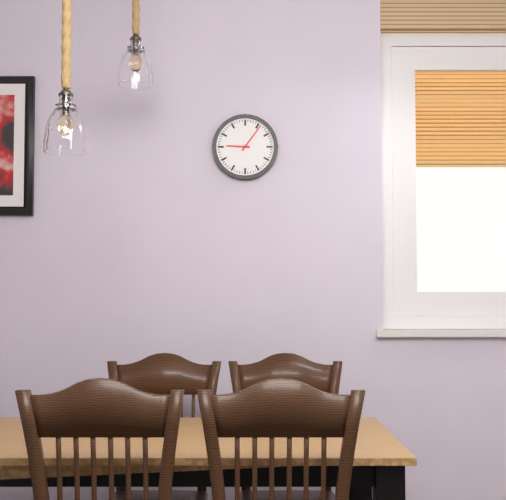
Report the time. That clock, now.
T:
9:06
